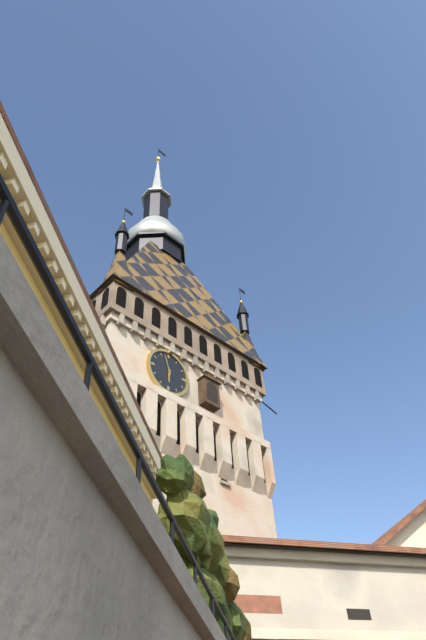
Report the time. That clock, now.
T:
5:57
